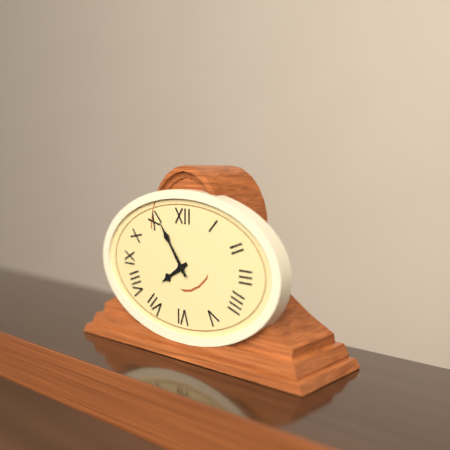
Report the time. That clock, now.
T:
7:54
